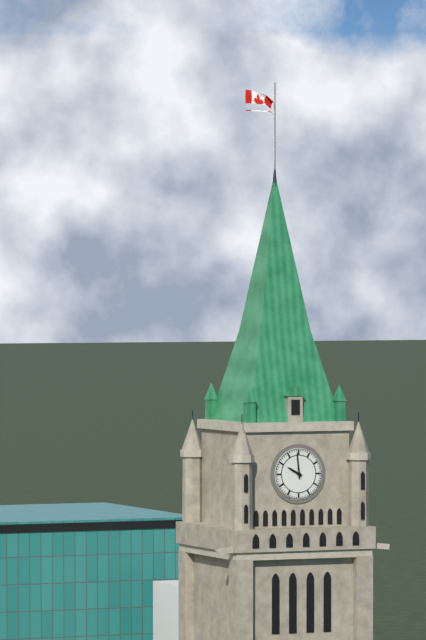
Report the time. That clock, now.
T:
9:59
